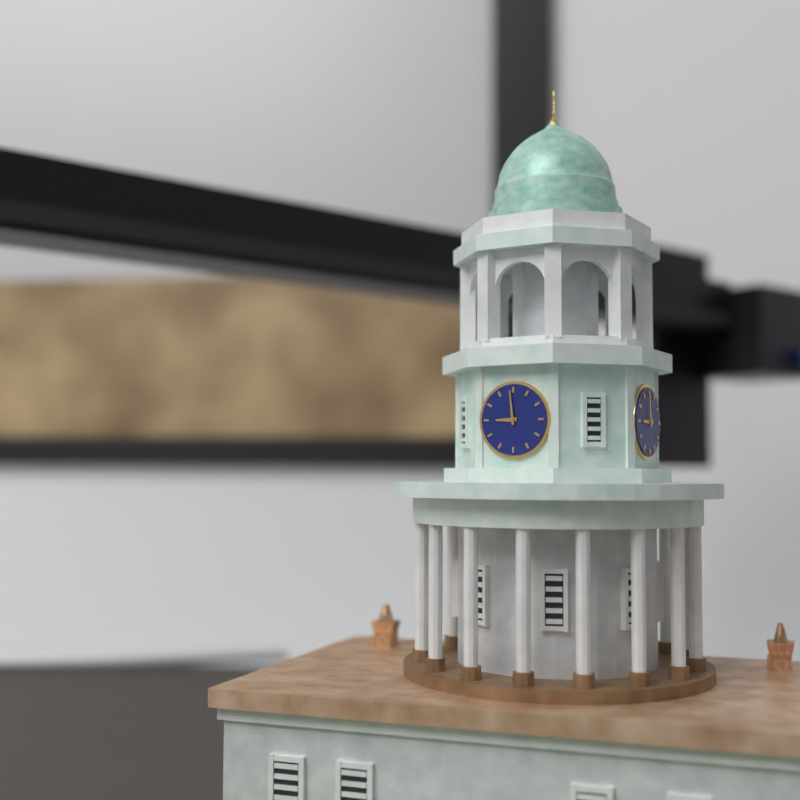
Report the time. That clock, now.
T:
8:59
